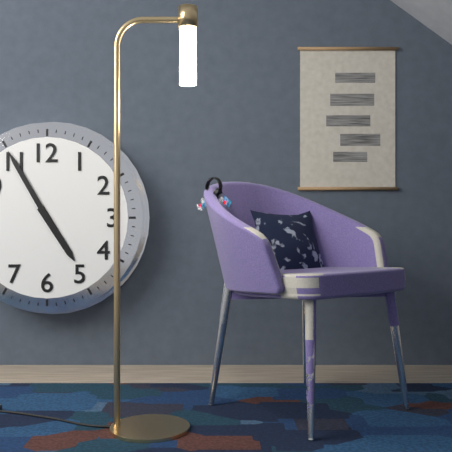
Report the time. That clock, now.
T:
4:55
